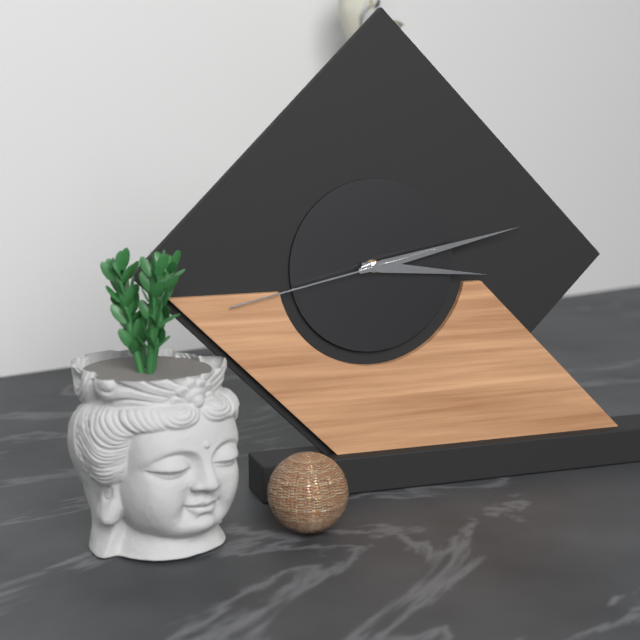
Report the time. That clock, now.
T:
3:13:43
